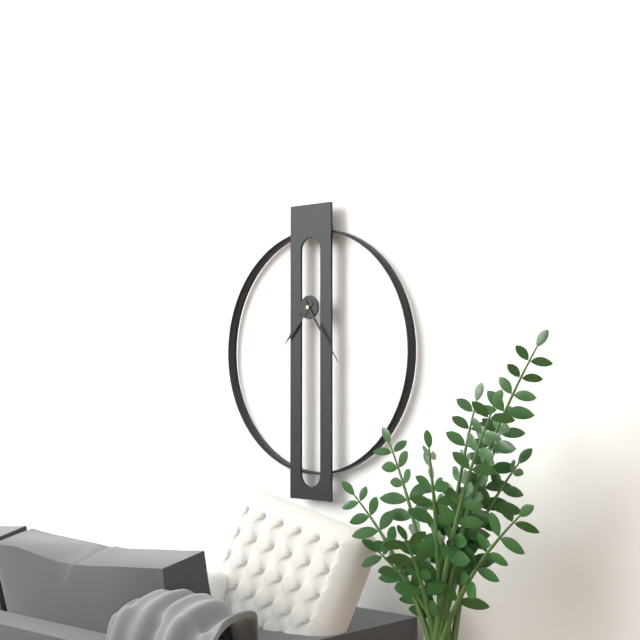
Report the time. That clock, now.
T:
7:24
